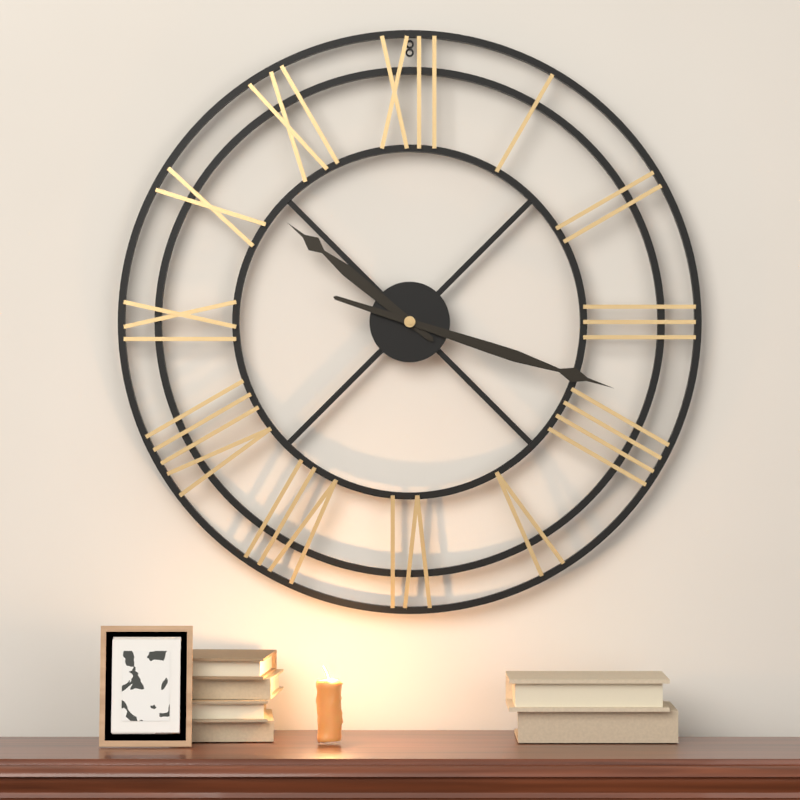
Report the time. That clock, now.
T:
10:18
